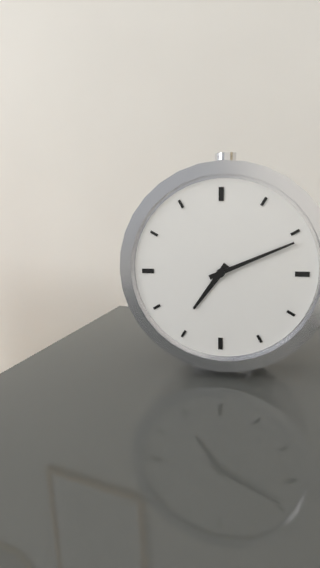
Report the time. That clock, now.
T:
7:11
